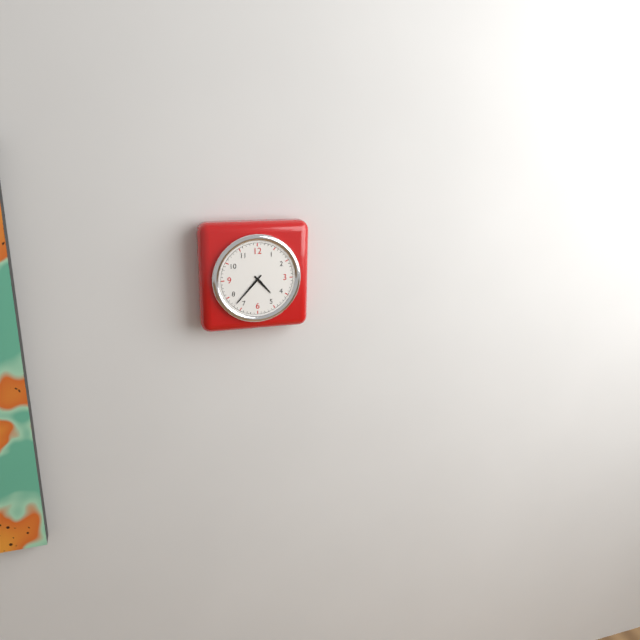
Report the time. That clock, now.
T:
4:37
